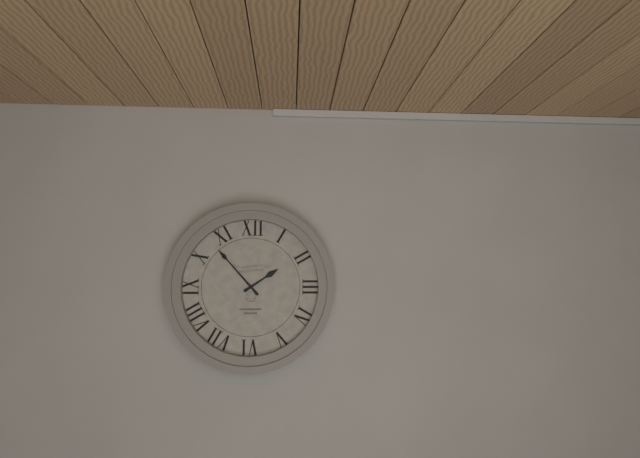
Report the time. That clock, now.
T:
1:53
